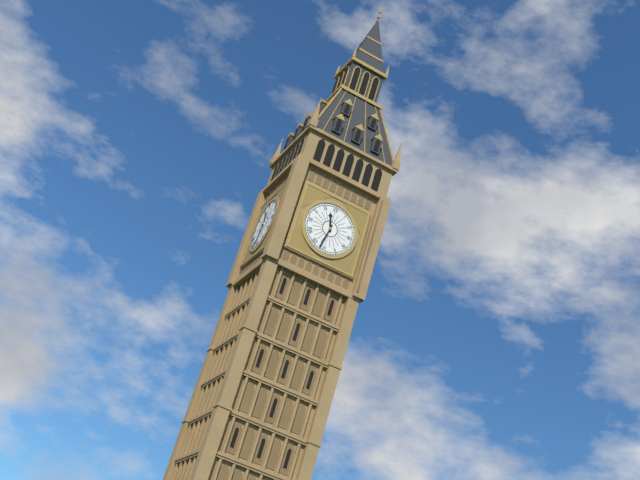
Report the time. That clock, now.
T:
11:32
